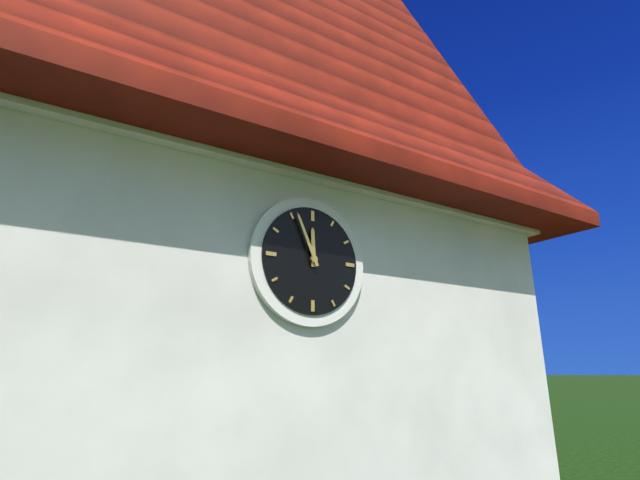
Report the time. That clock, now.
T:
11:56
